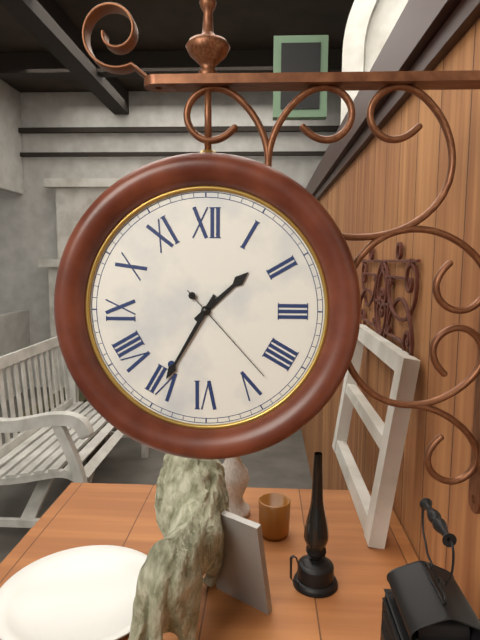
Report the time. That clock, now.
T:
1:35:23
